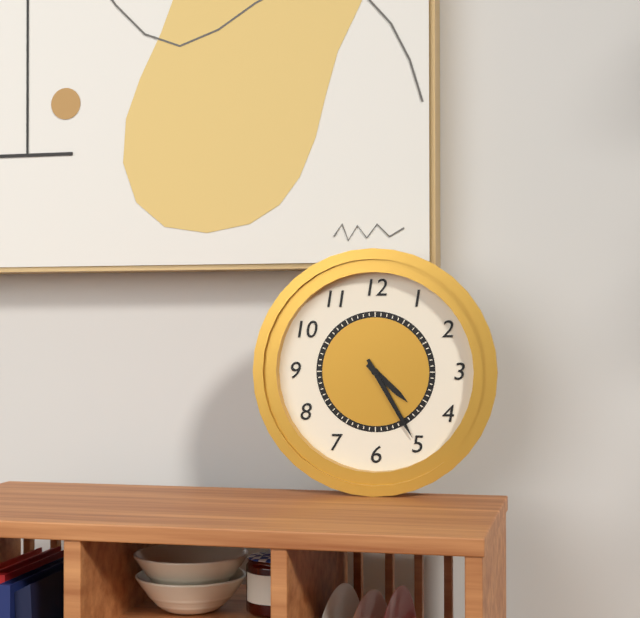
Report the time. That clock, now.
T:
4:25
